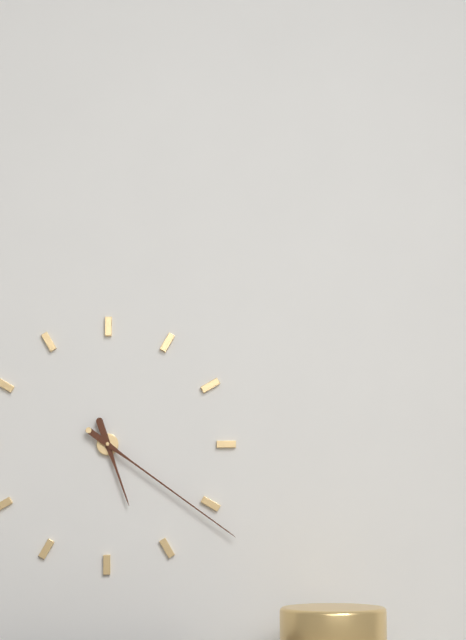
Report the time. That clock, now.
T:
5:21
